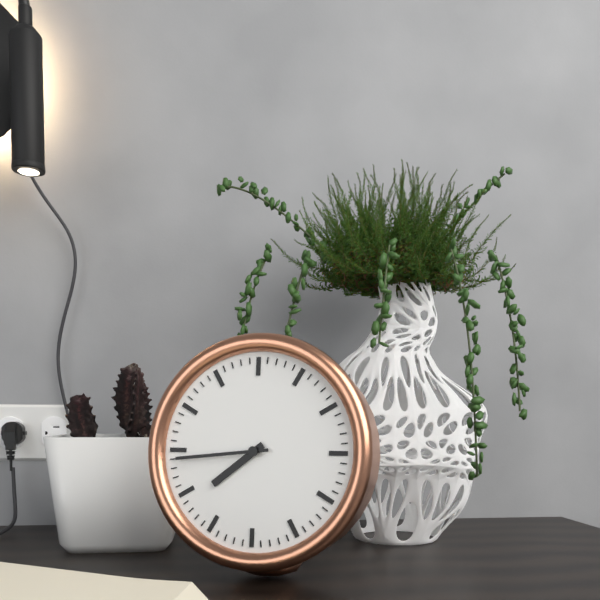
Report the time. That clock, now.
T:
7:44
